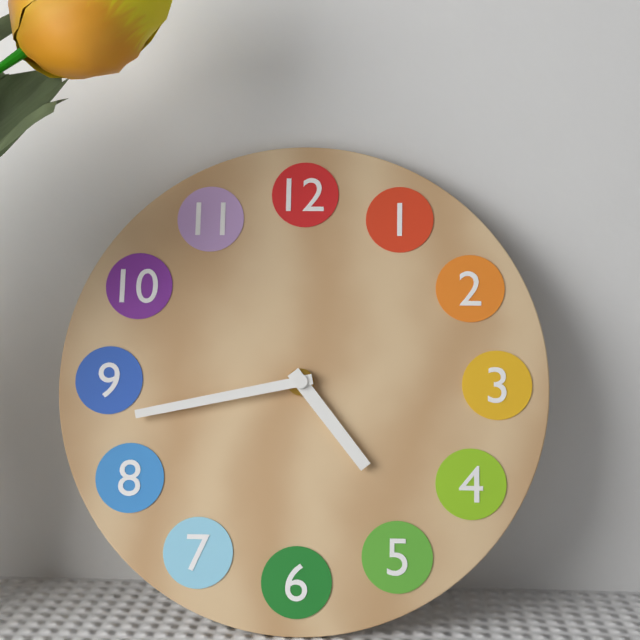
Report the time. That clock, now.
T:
4:43
